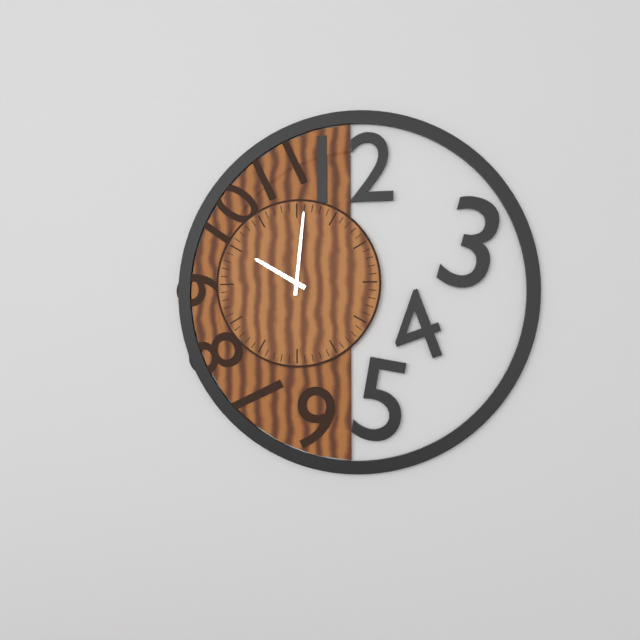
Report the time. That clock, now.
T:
10:01
